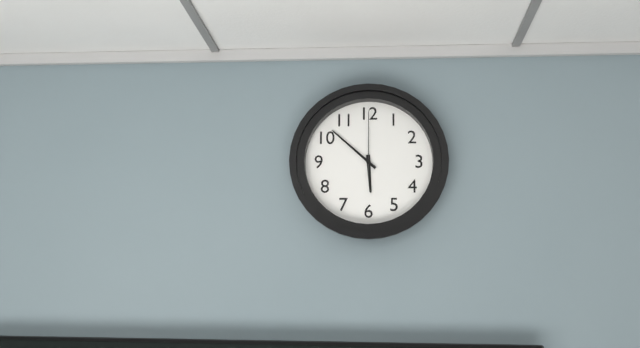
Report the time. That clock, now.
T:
5:52:00
